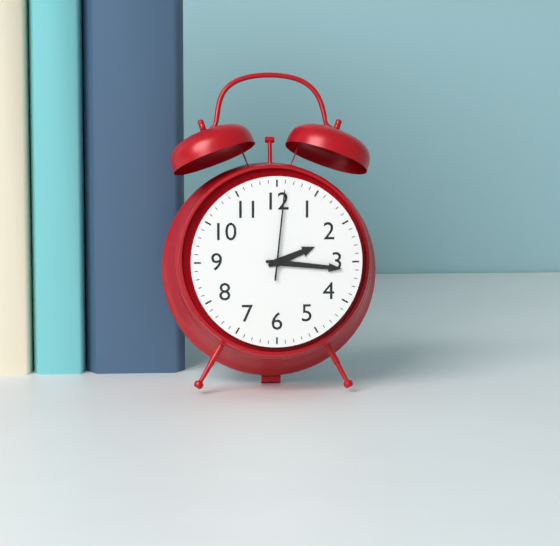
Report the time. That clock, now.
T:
2:16:01
